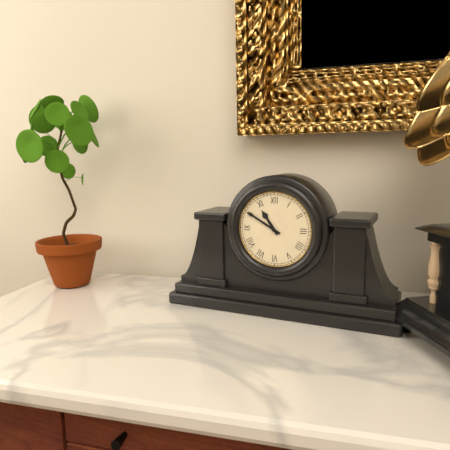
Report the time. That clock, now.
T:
10:50
